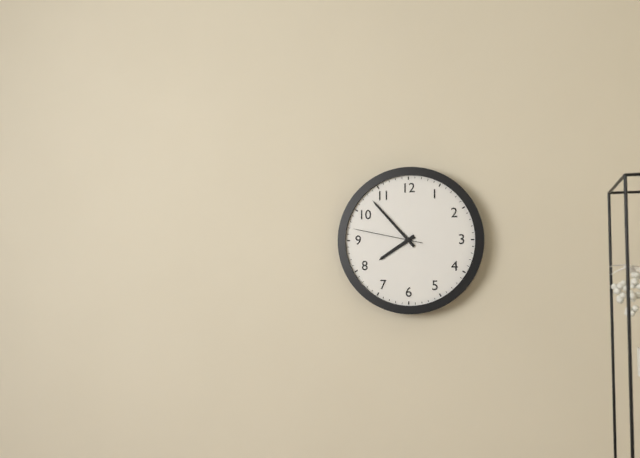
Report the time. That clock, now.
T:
7:53:47
